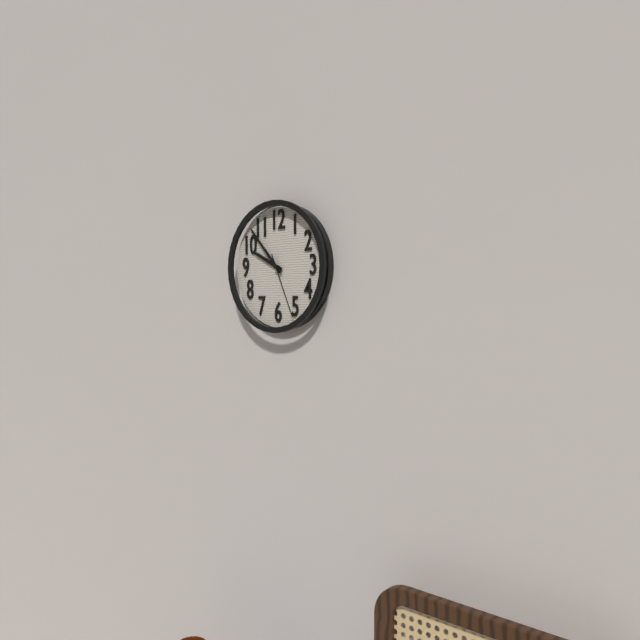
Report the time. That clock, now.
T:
9:53:26
